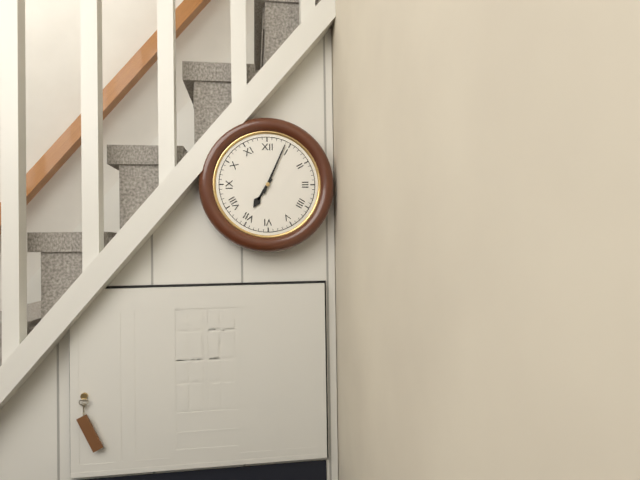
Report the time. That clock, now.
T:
7:04
